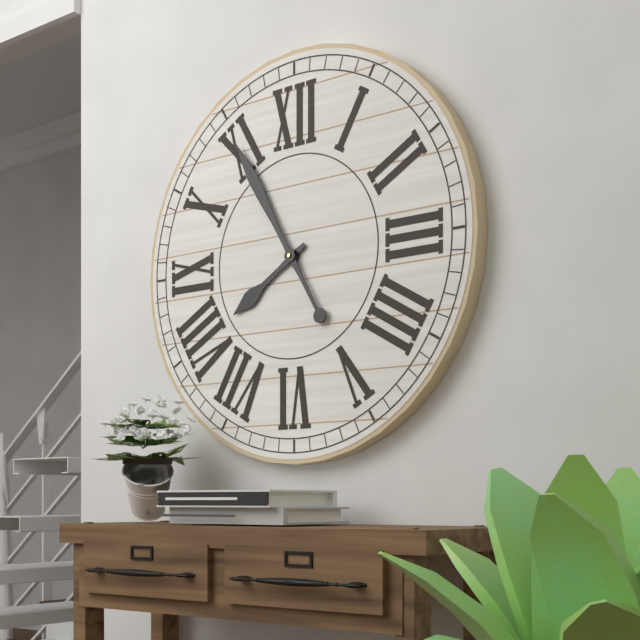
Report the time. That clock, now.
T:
7:55
